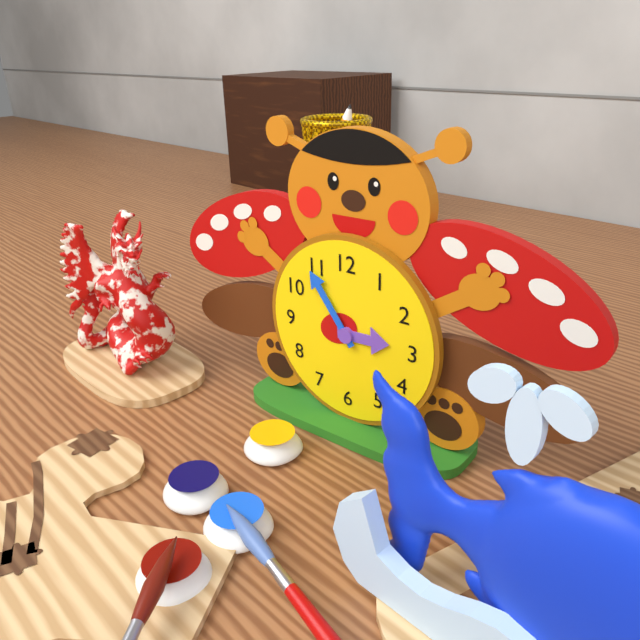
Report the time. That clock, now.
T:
2:54
